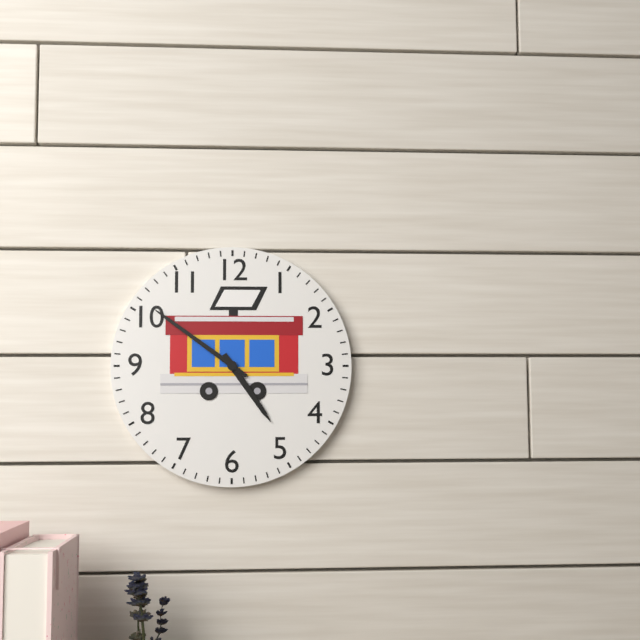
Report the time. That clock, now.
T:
4:51
